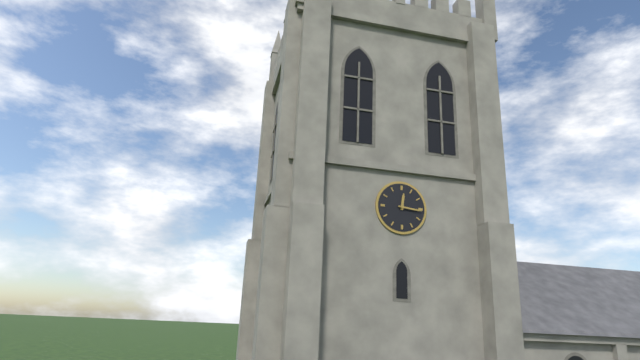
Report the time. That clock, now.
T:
12:16
